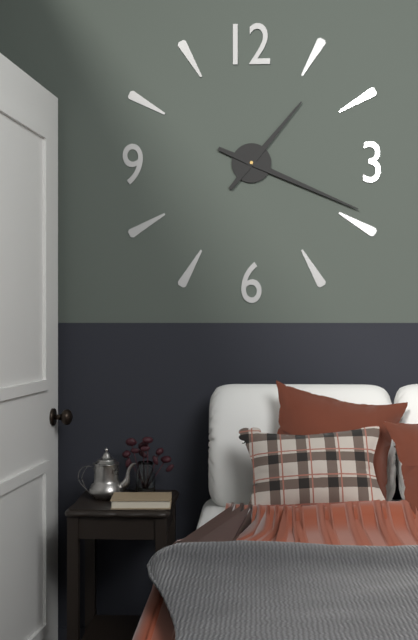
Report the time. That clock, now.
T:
1:19
